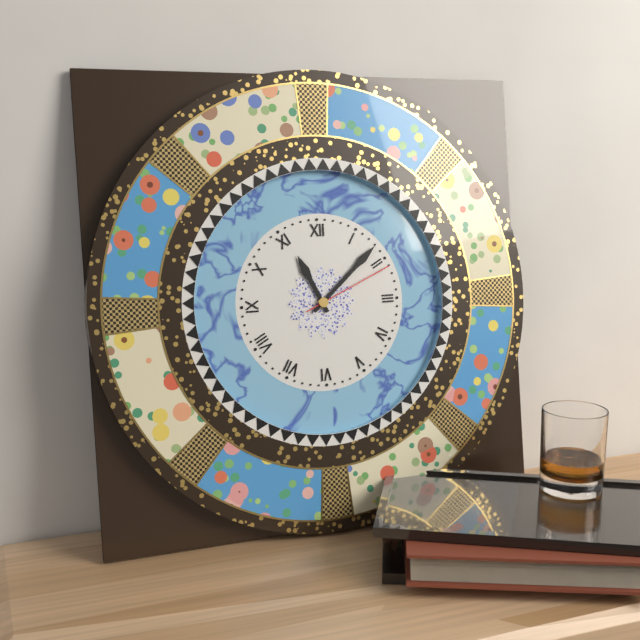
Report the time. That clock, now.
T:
11:08:11
